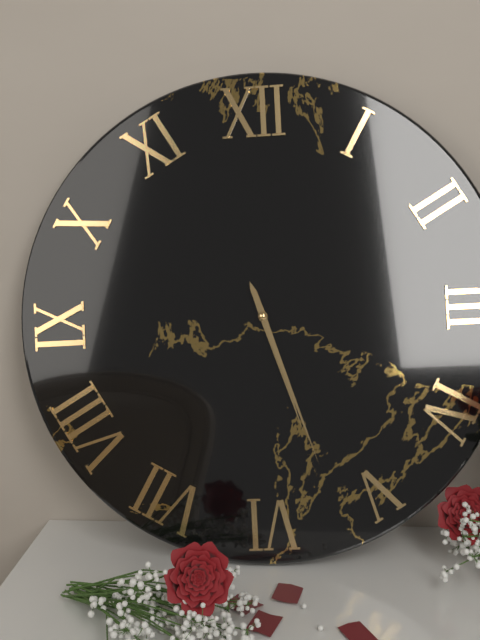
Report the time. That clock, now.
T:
5:27
